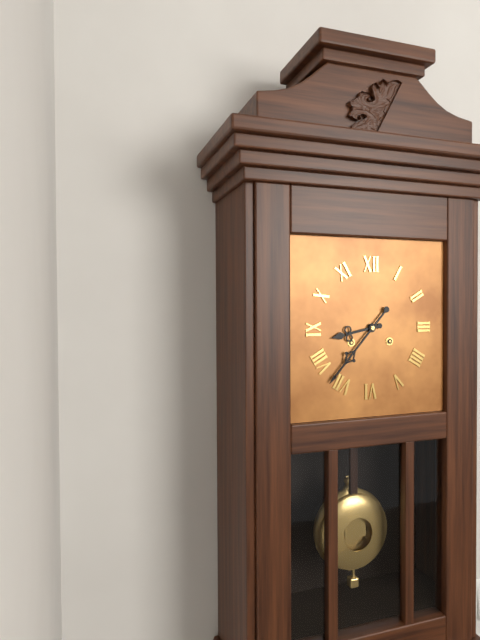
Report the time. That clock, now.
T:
8:37
